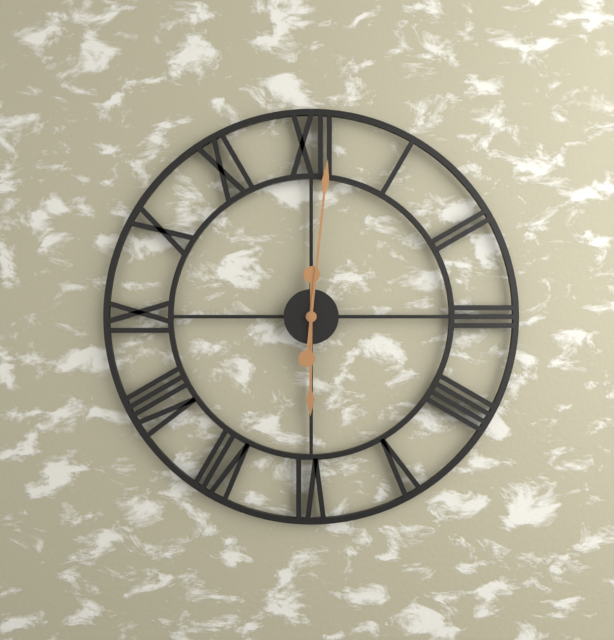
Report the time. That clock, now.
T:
6:01
